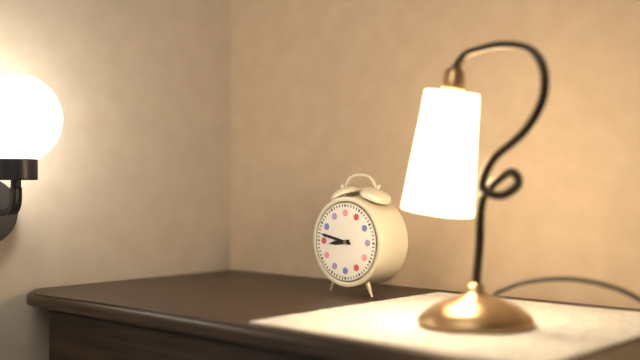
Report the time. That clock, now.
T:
8:47
